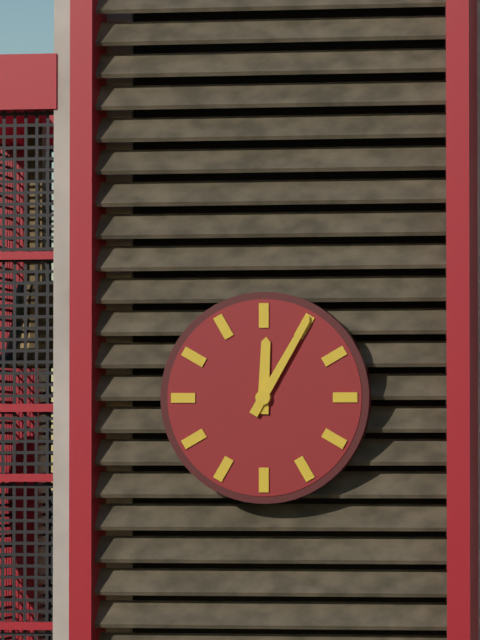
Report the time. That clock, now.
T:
12:05
